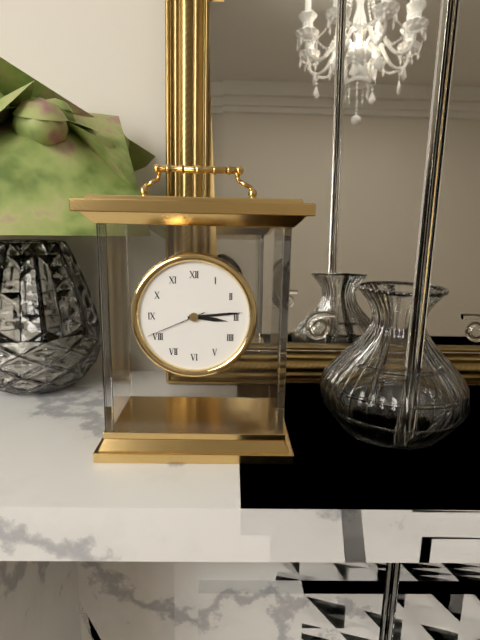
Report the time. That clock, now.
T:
3:14:41
